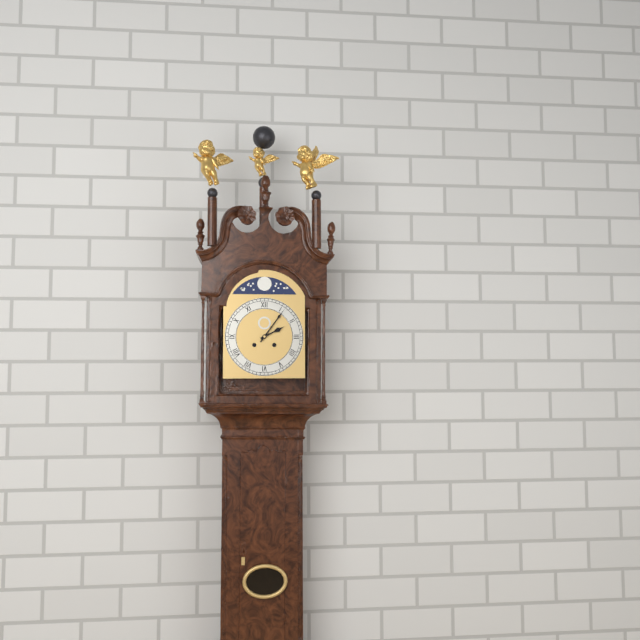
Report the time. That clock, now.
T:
2:06
